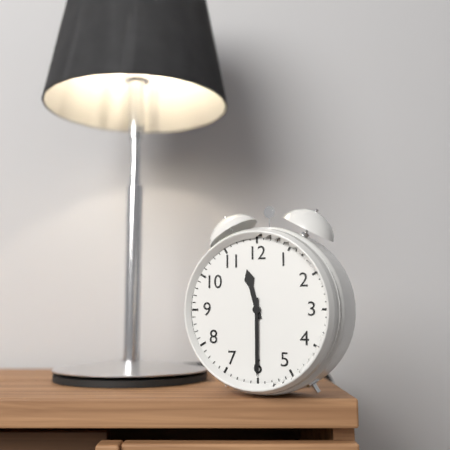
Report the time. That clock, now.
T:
11:30
